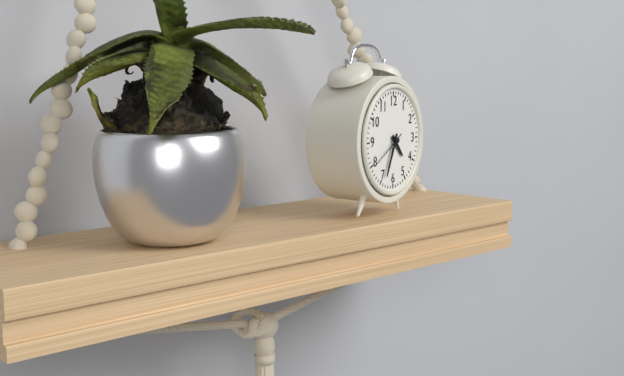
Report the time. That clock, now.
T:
4:34
